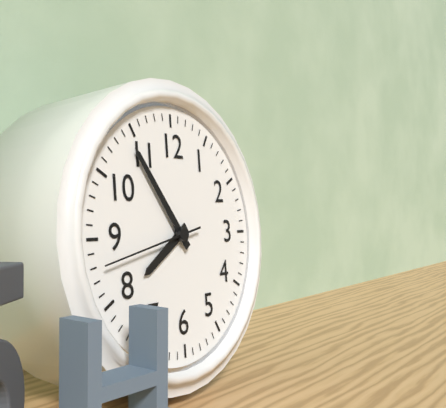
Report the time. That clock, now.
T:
7:54:43
